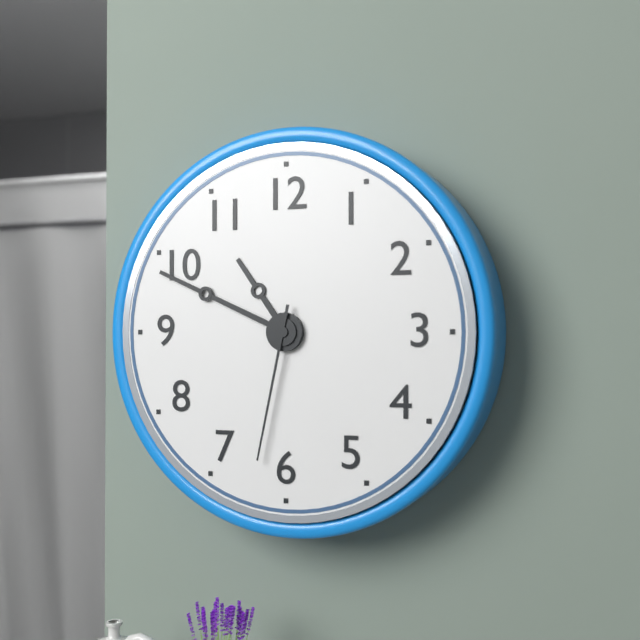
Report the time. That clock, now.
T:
10:49:32
